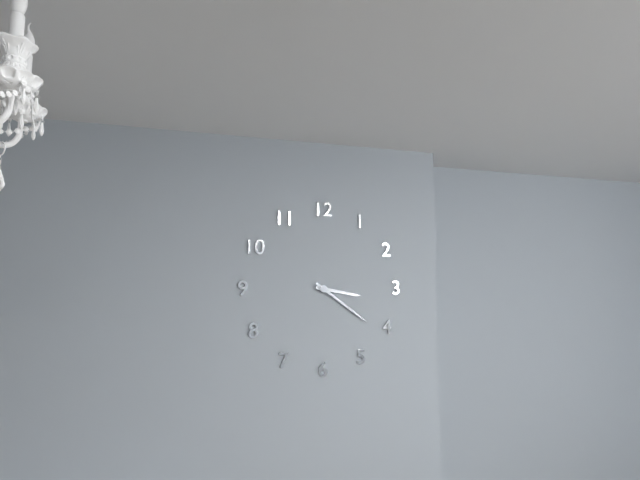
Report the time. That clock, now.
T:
3:21
